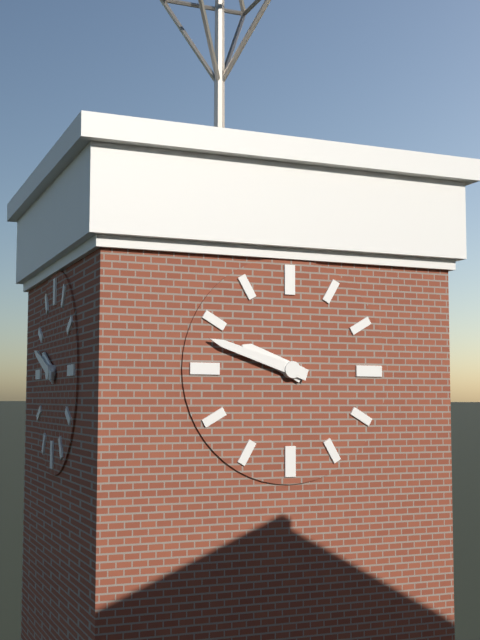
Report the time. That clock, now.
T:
9:48
